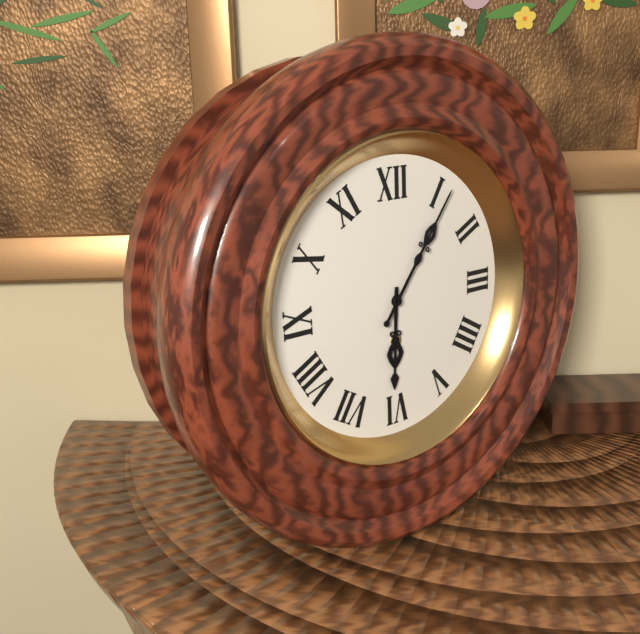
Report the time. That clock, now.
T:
6:06
